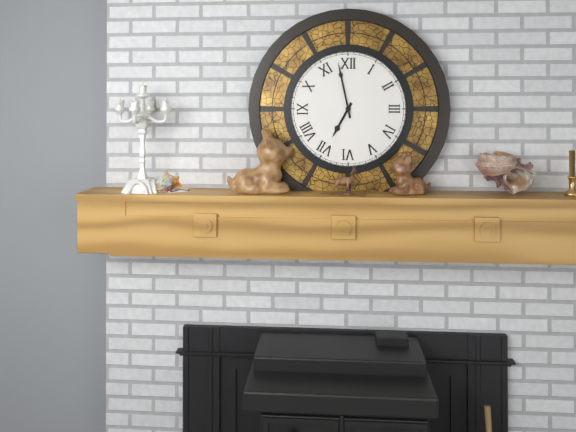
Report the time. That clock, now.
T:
6:58
